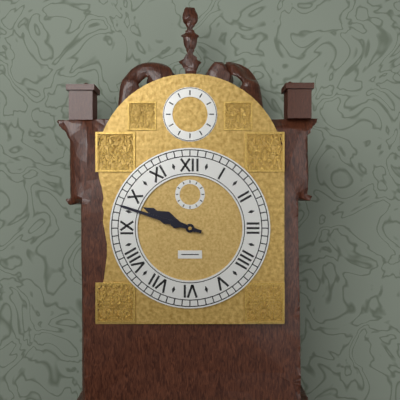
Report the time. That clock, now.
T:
9:48
